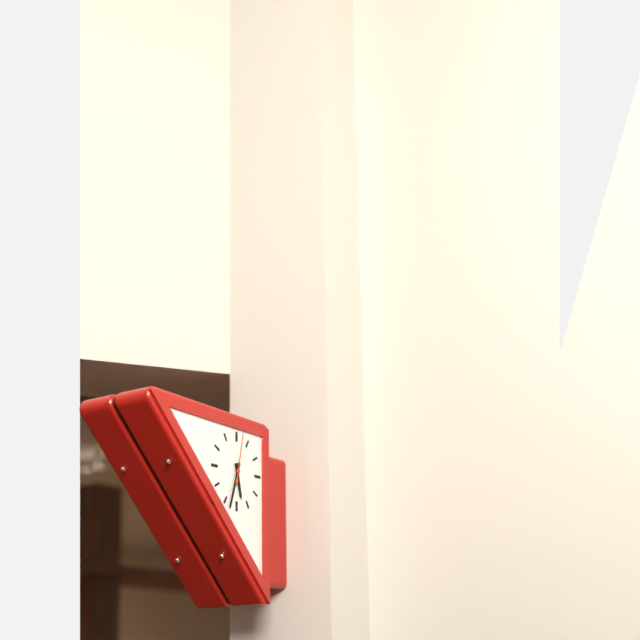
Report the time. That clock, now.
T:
5:33
